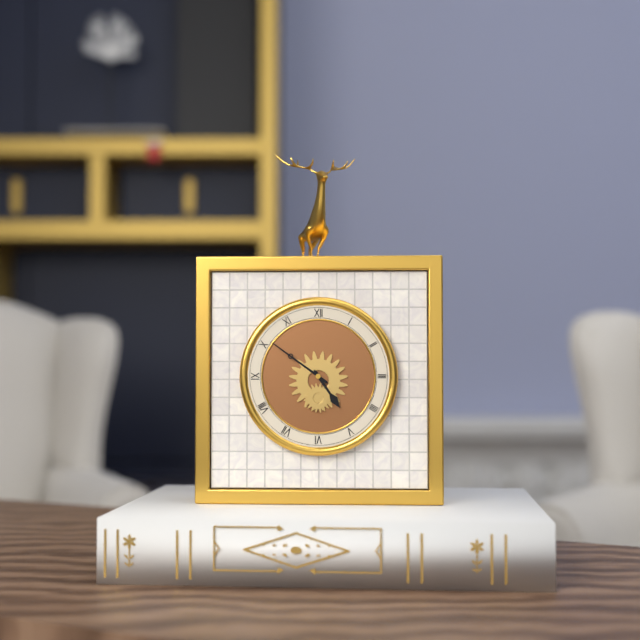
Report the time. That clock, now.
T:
4:51
